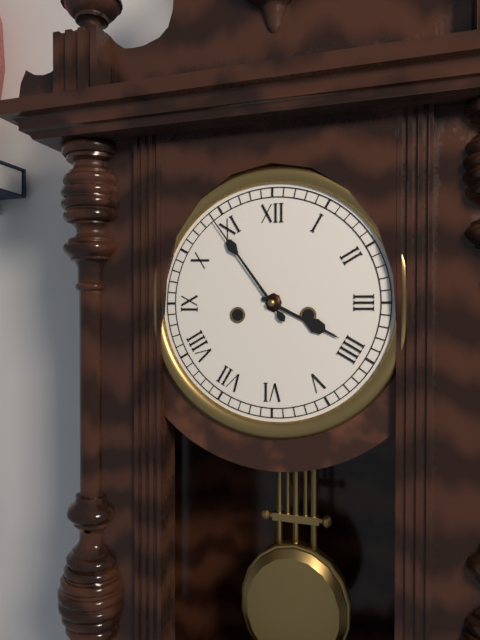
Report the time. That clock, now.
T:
3:54
